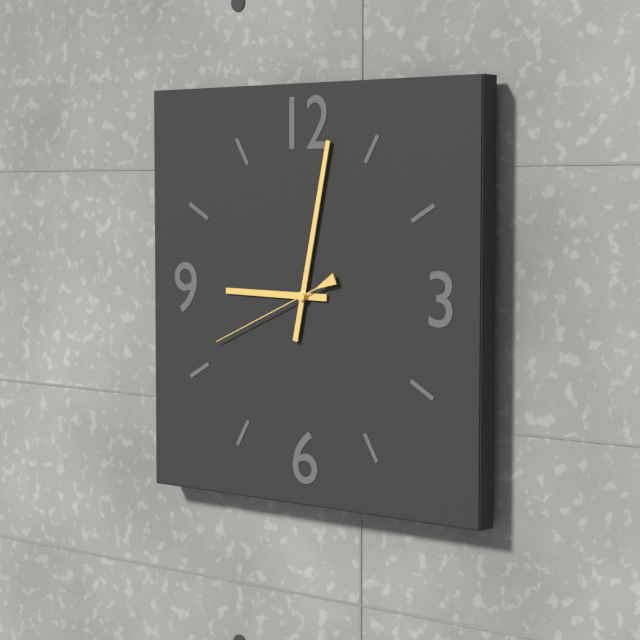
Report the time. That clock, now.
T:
9:02:41
